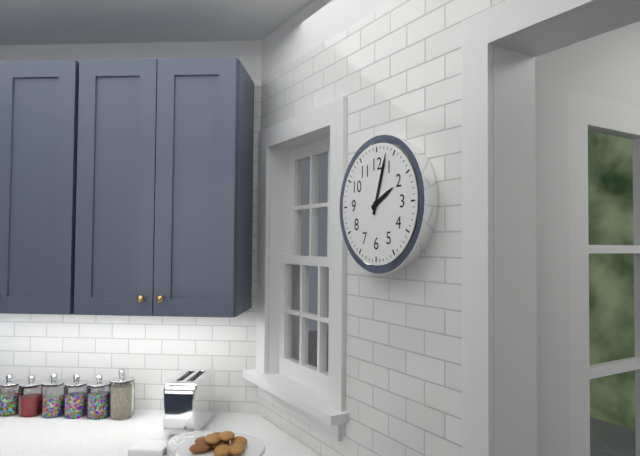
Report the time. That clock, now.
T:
2:03
